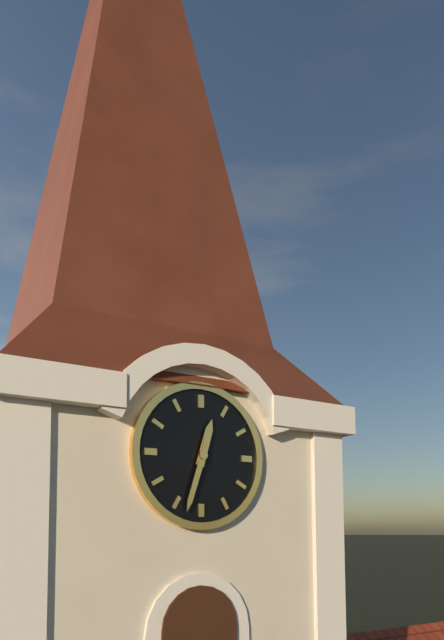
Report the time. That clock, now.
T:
12:33
